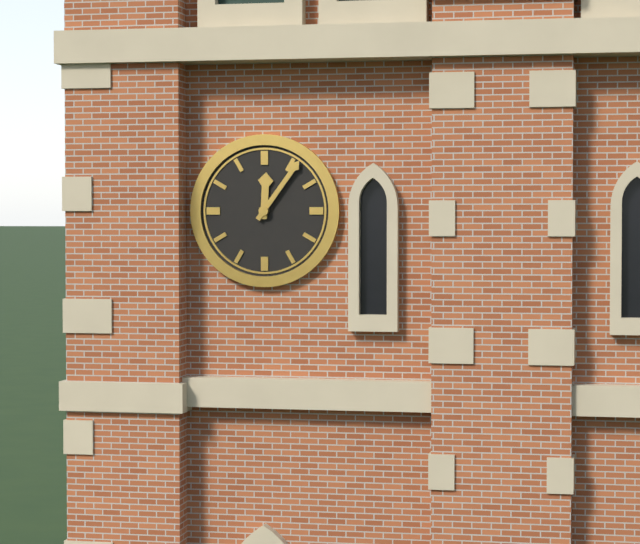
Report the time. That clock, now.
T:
12:06
